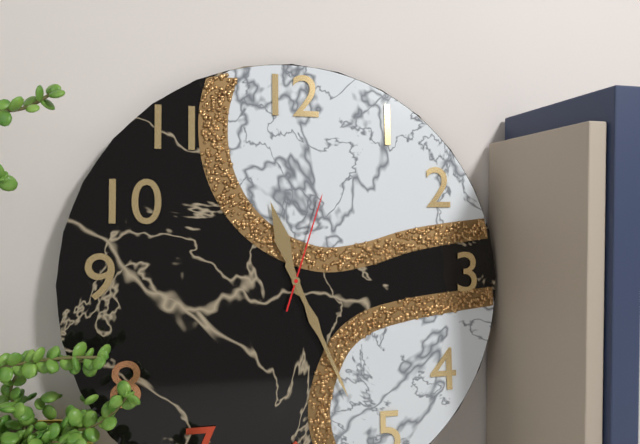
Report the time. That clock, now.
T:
11:26:03
